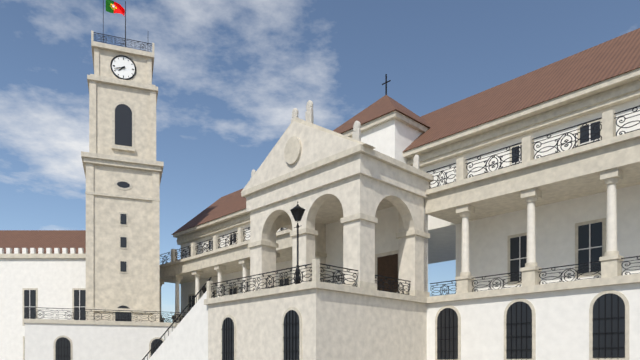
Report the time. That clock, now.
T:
7:42
